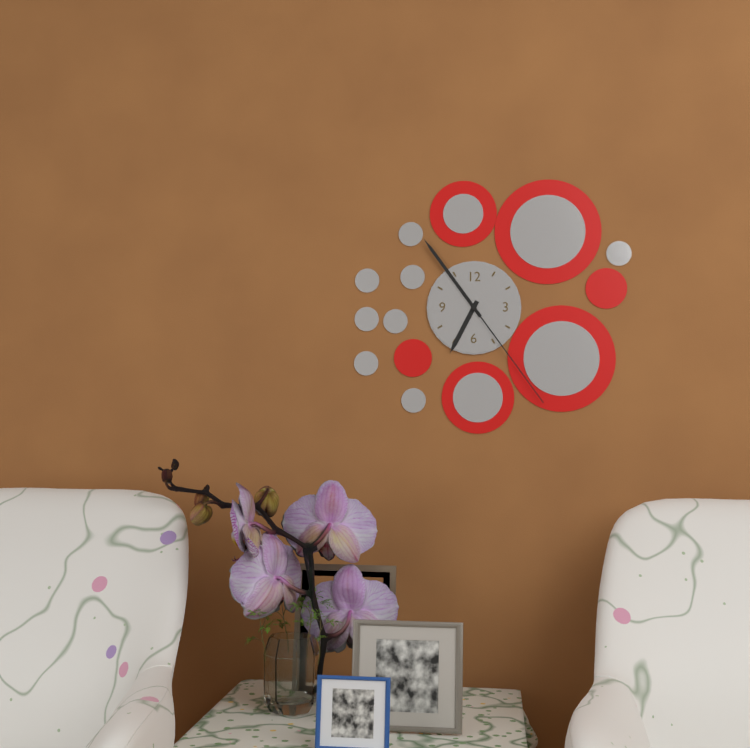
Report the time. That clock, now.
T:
6:54:24
